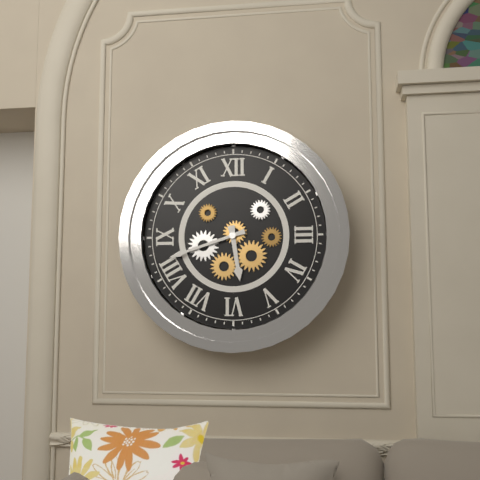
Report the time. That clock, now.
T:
5:42
